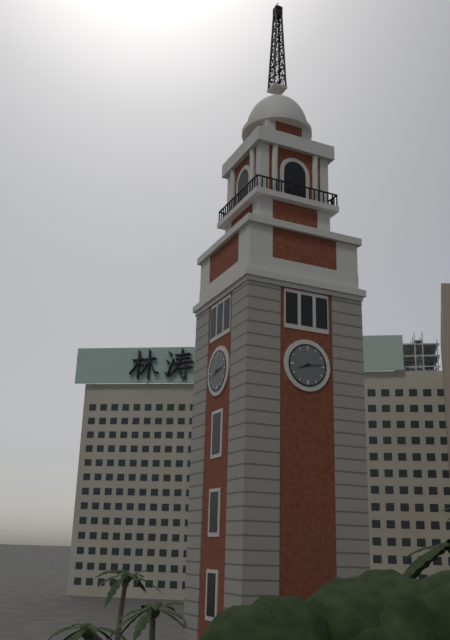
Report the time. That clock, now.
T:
8:14
